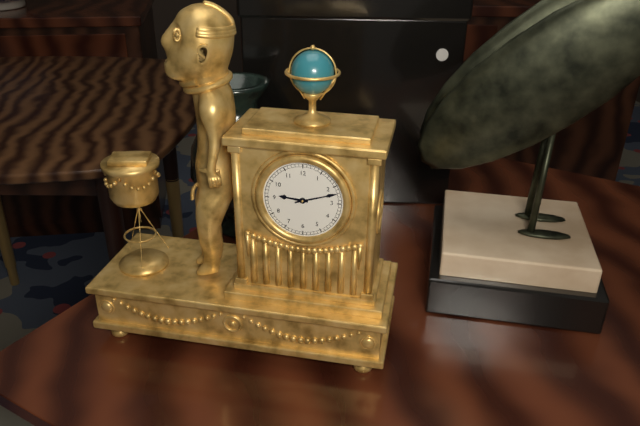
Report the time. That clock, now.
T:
9:12
